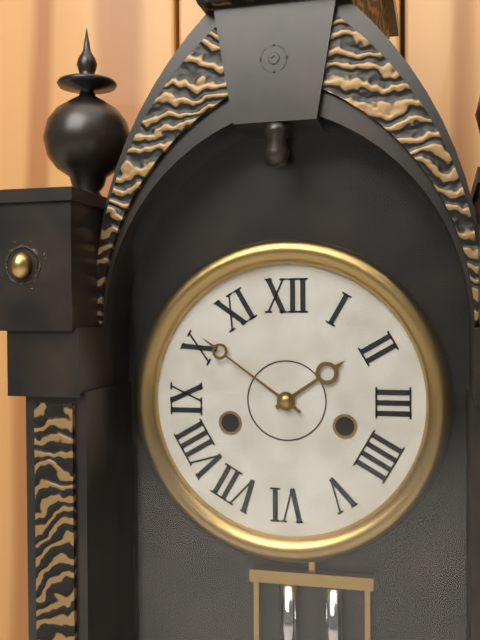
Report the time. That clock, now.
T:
1:51
